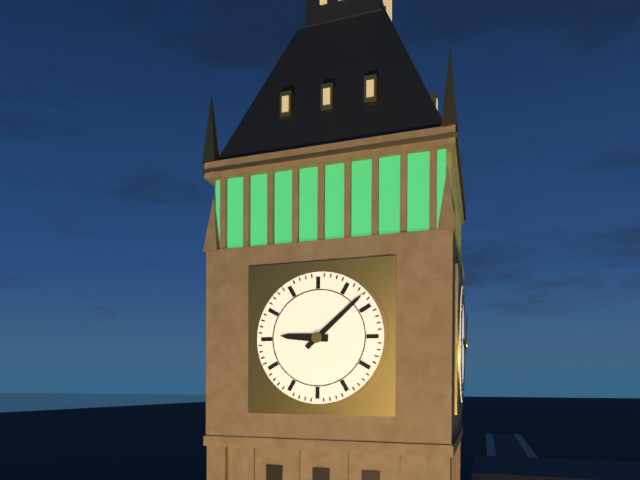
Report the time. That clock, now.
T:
9:08
